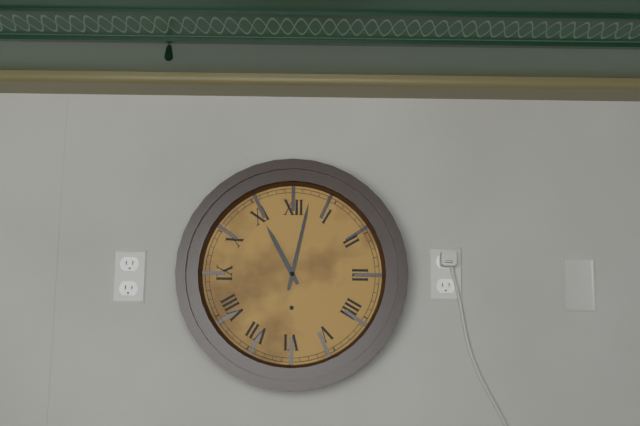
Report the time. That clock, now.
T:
11:02
